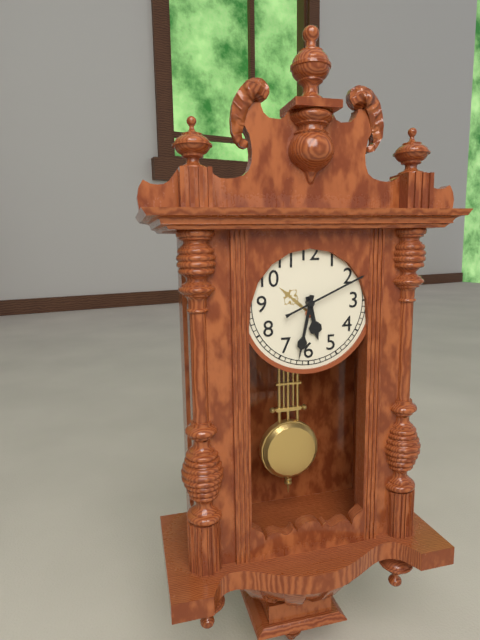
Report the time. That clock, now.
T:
5:32:11
